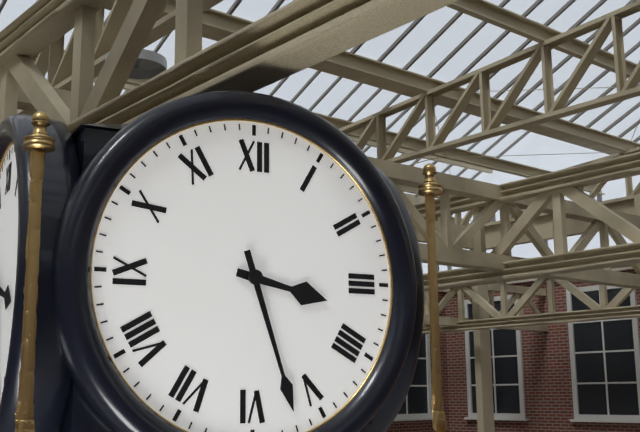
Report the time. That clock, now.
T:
3:27
